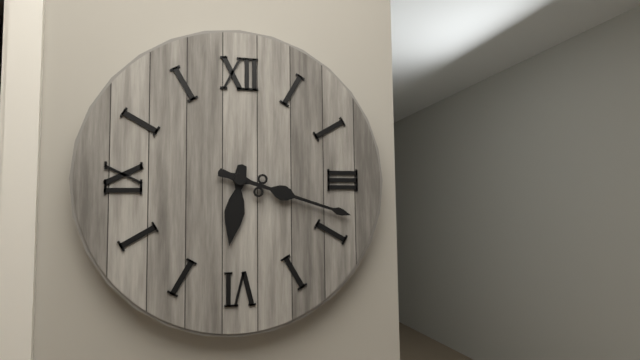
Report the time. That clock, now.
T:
6:18
